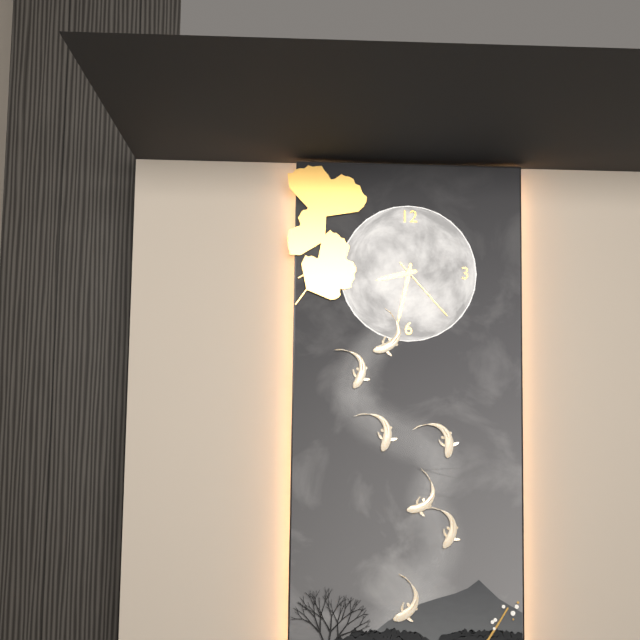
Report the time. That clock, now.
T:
8:32:23
